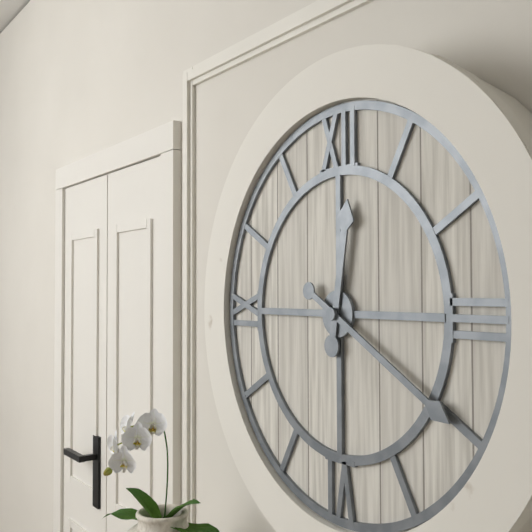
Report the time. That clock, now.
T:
12:20
